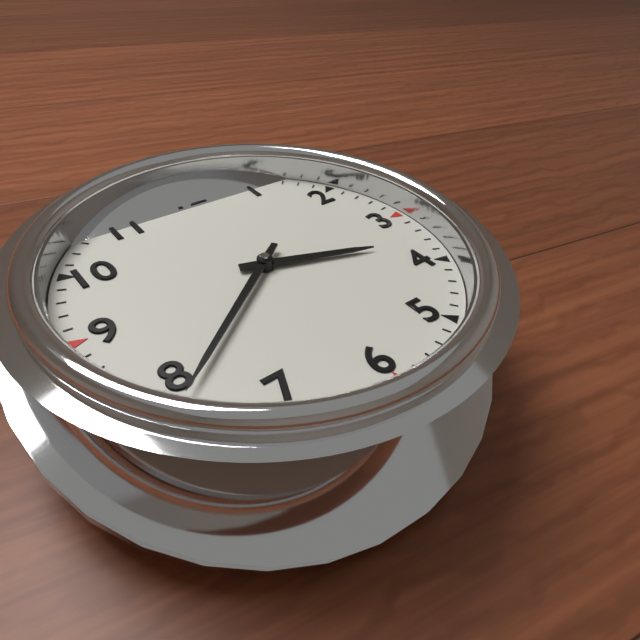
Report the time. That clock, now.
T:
3:39
